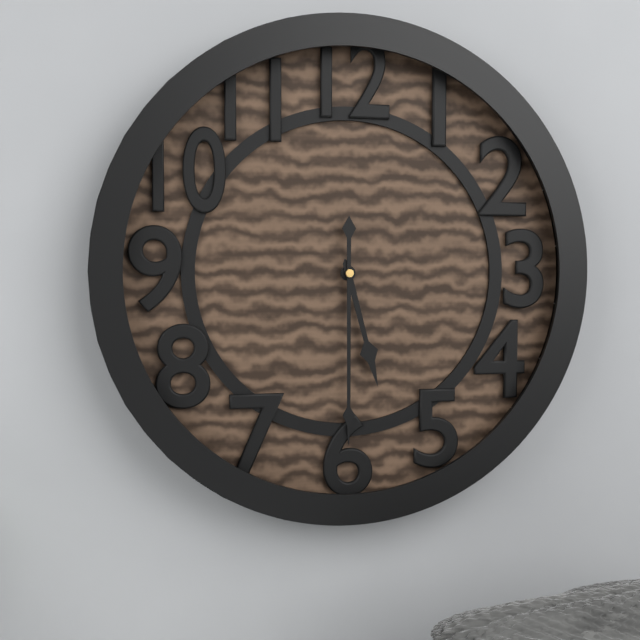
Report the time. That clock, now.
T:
5:30
